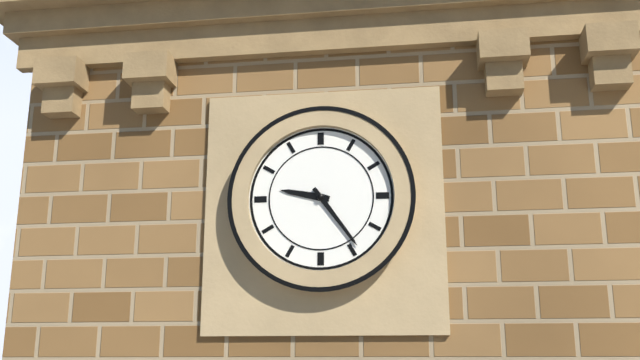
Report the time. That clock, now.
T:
9:24
